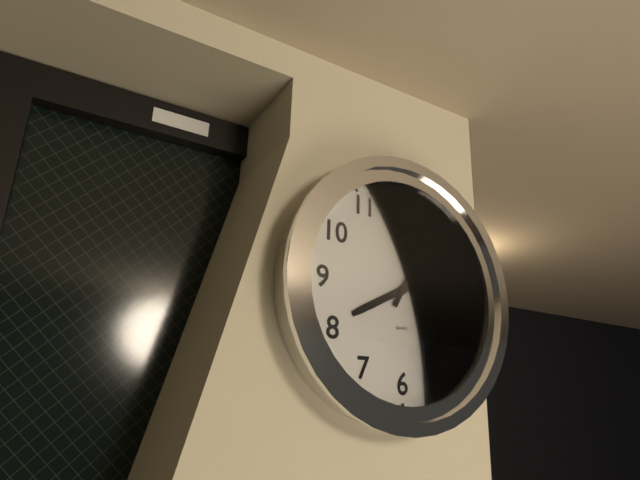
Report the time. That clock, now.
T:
8:05
